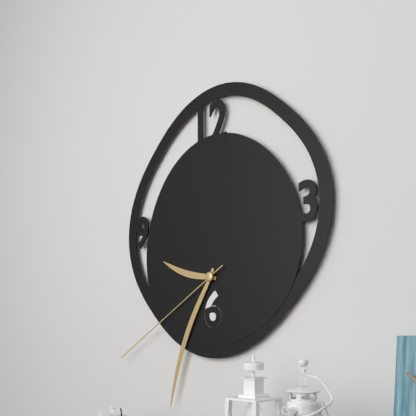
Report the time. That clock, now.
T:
9:34:40
